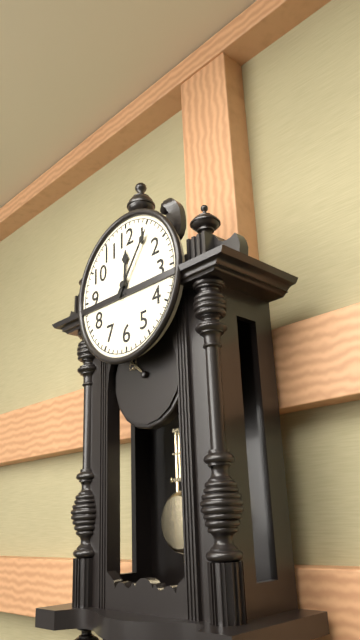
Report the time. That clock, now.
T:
12:06
